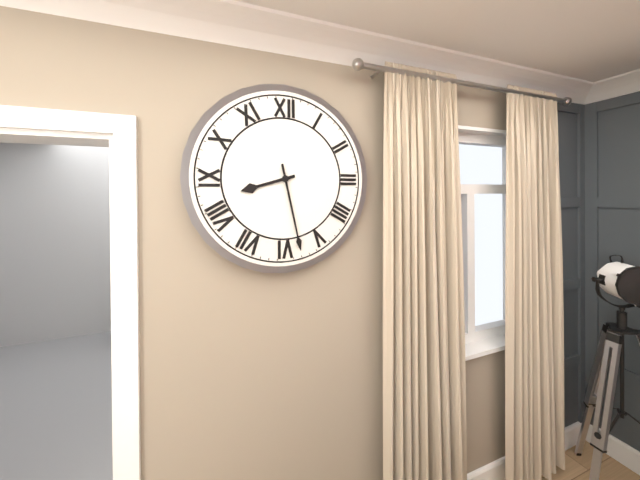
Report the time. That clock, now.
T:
8:28
